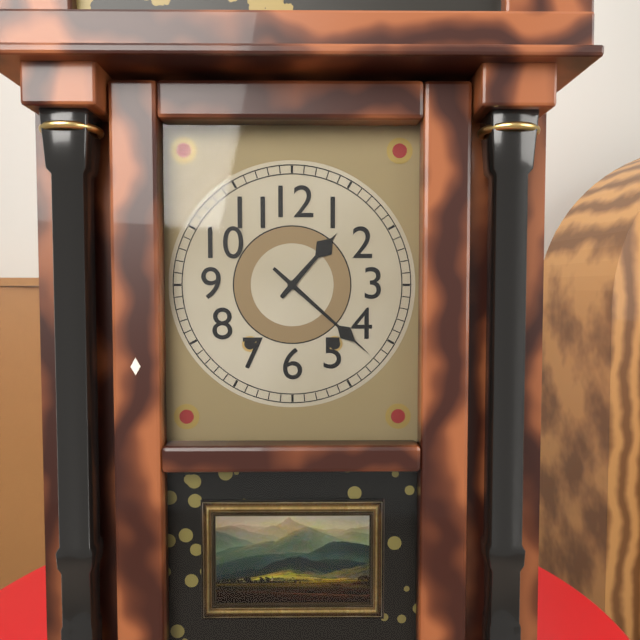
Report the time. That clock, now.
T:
1:22
